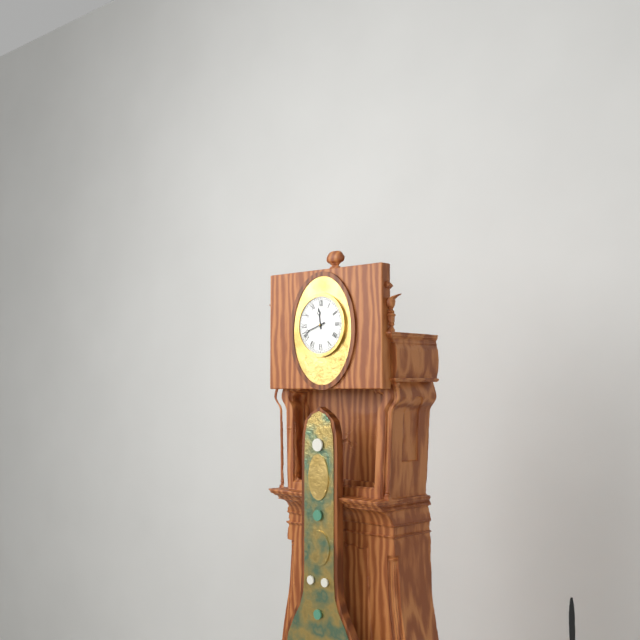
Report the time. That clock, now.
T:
11:42
